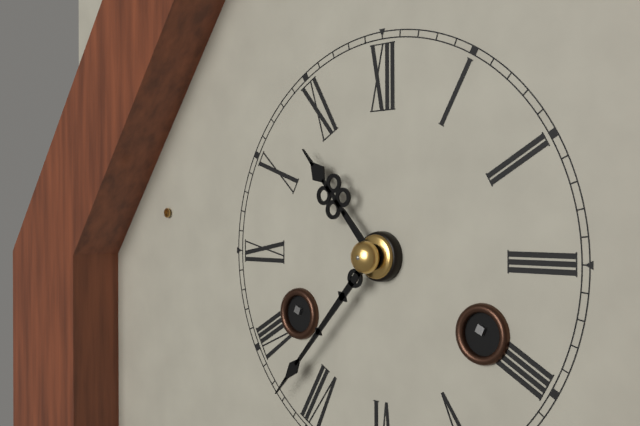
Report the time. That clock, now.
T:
10:37
